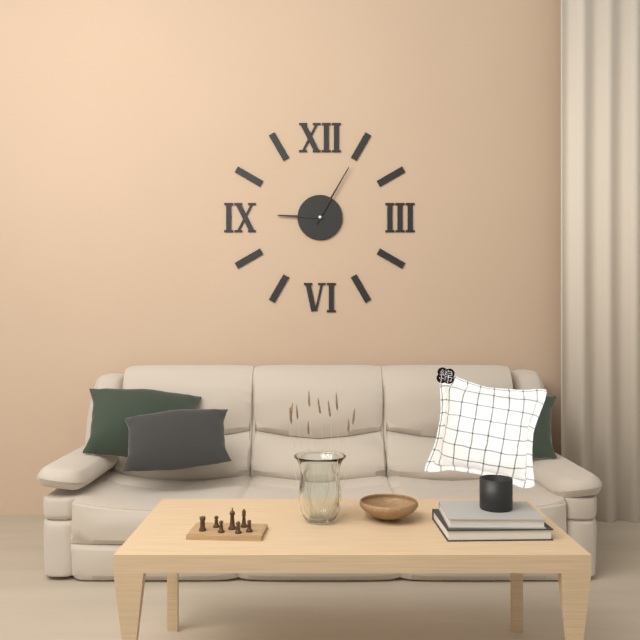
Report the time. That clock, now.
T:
9:05
